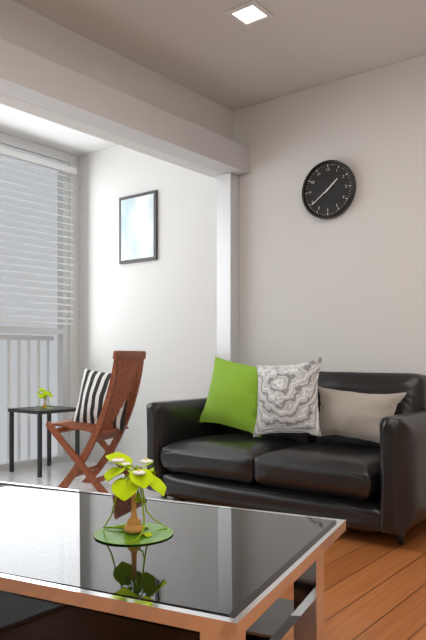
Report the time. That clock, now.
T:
1:39
